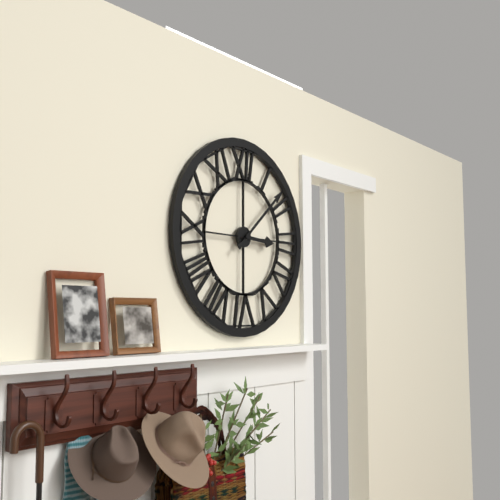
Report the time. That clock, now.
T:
3:08
